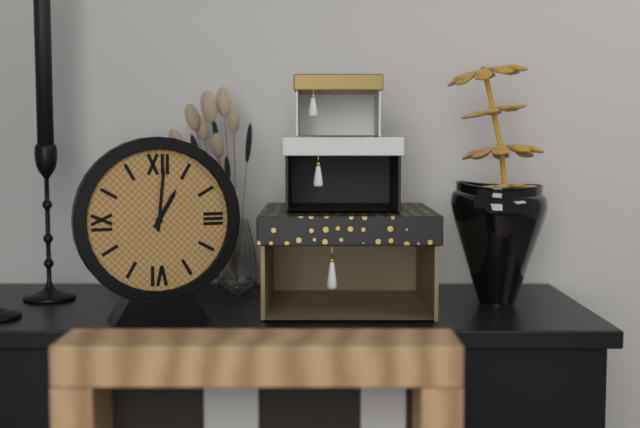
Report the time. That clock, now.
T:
1:01
